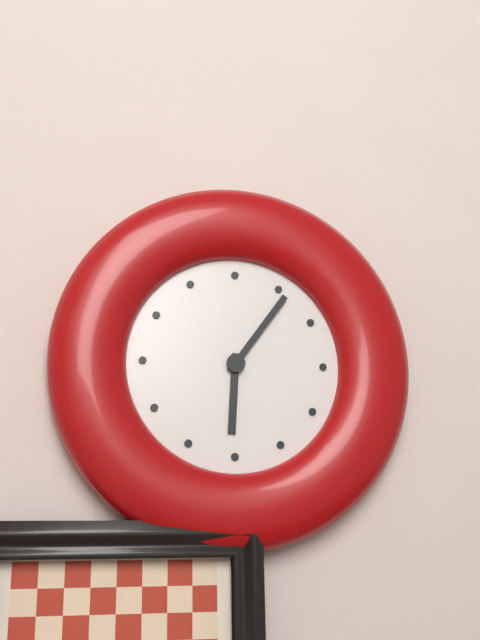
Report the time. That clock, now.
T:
6:06
